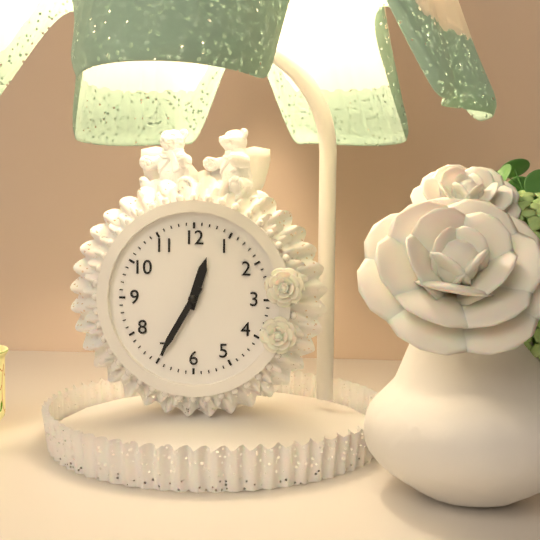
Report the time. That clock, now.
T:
12:35
